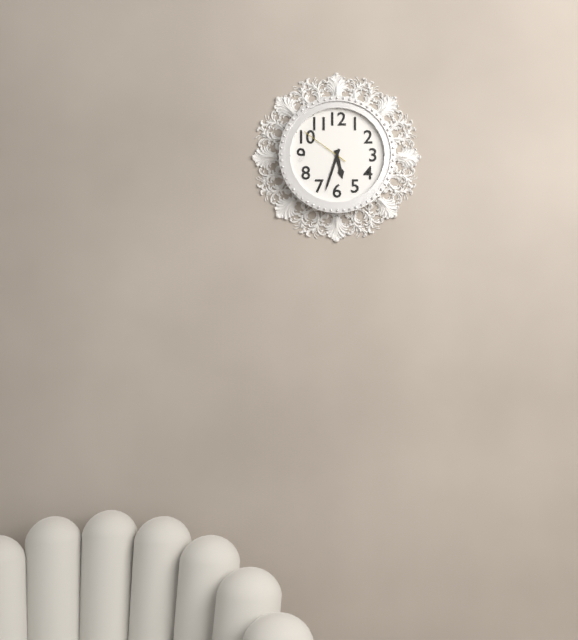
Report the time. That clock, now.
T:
5:33:51
